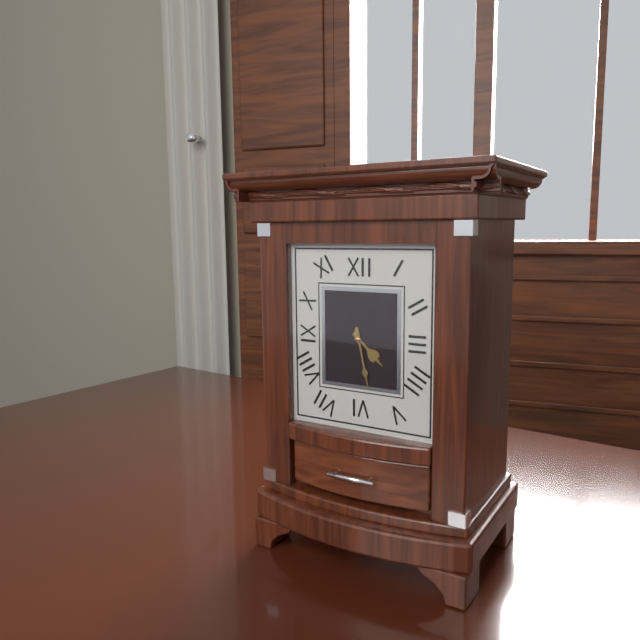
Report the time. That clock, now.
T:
4:28
